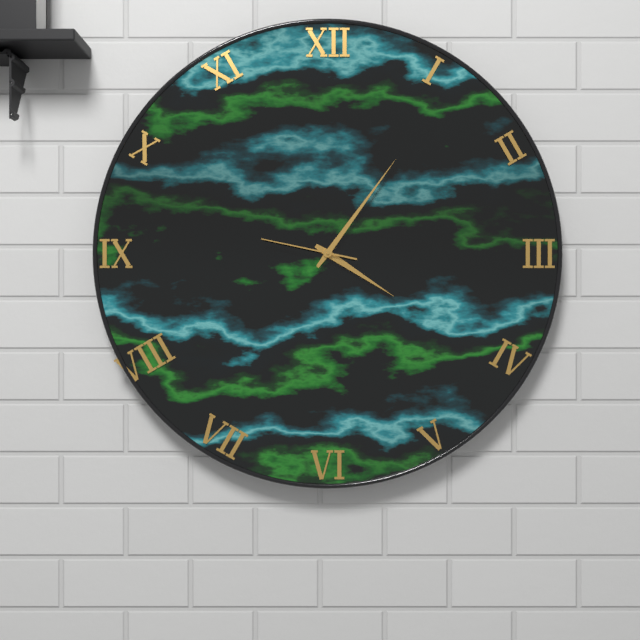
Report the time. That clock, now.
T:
4:06:47
